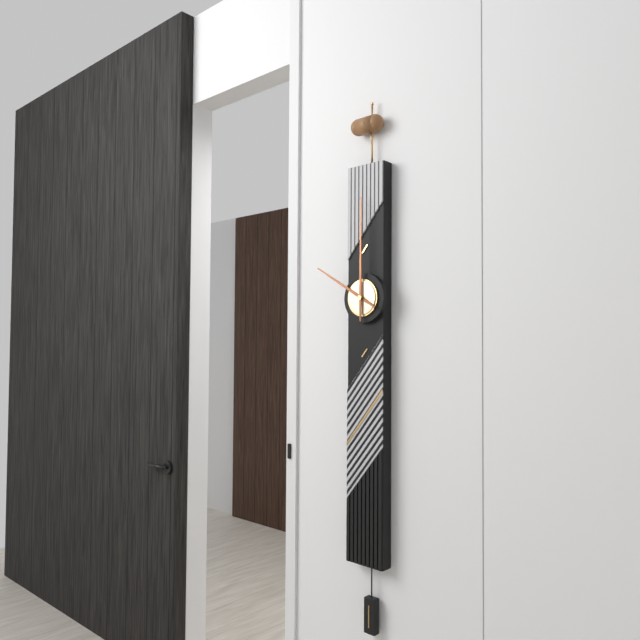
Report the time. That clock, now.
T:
10:00
